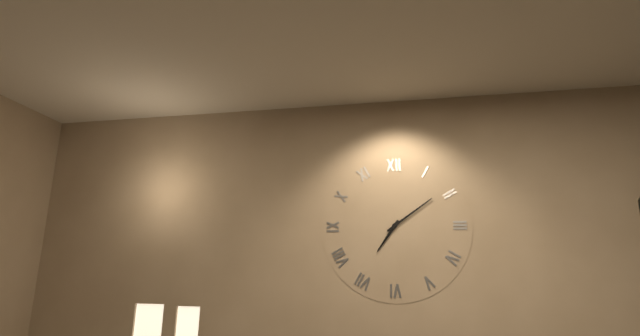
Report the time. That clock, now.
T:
7:09
